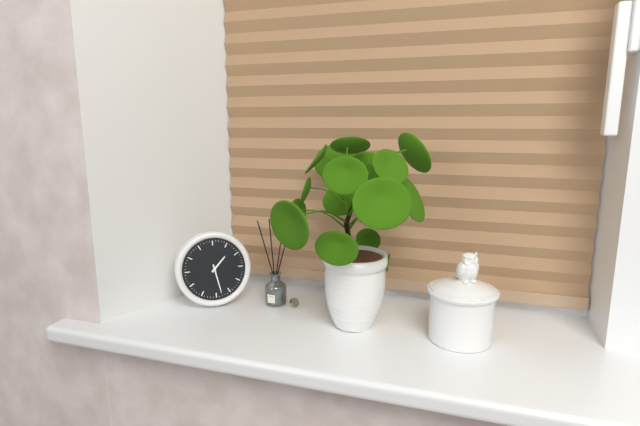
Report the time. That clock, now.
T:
1:28
